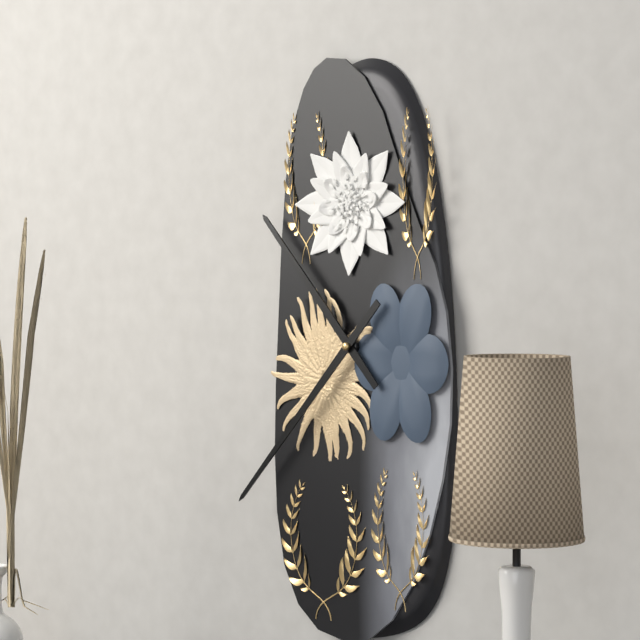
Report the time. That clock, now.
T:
10:37
